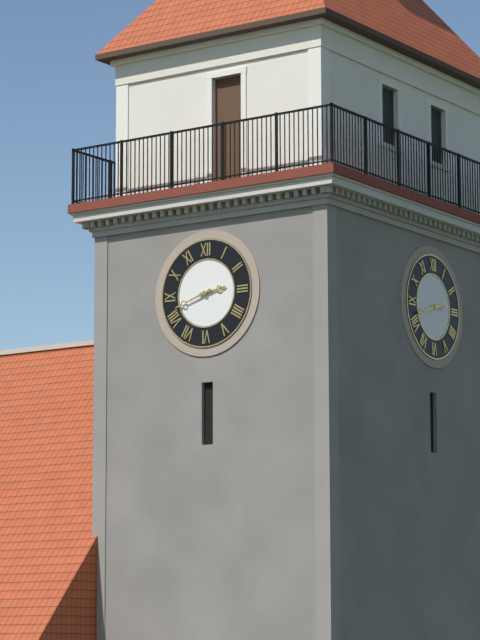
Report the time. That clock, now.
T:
2:42
